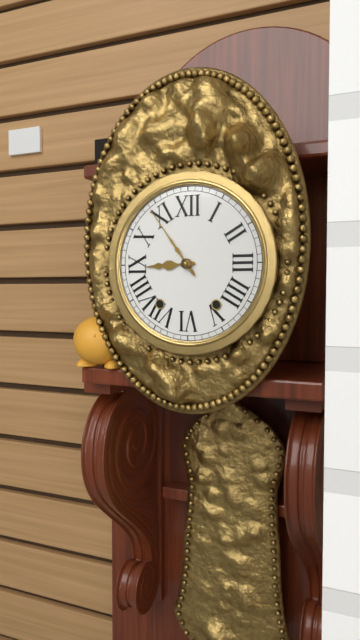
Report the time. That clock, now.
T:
8:54
